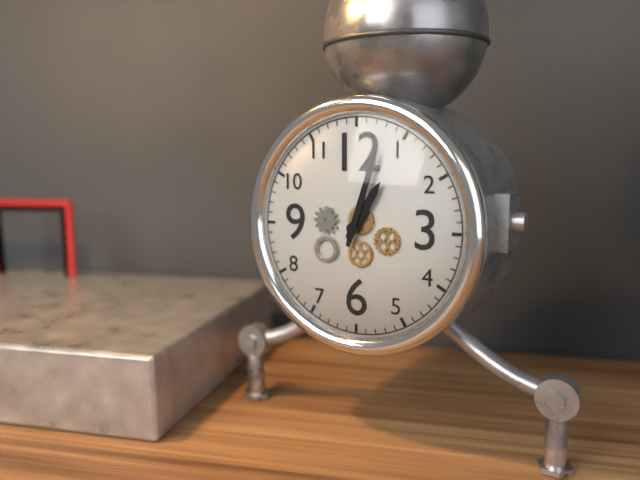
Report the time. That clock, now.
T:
1:03
